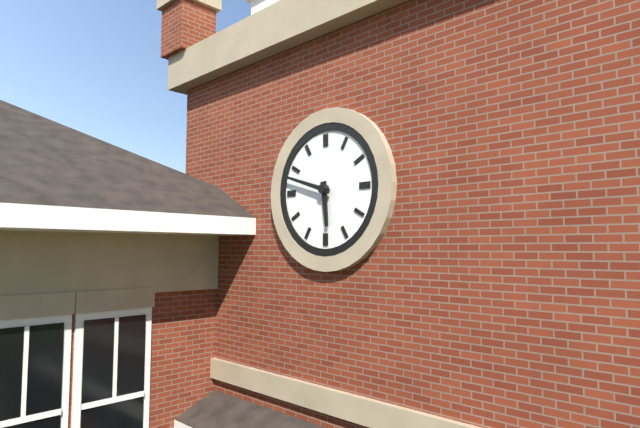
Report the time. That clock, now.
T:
5:48
